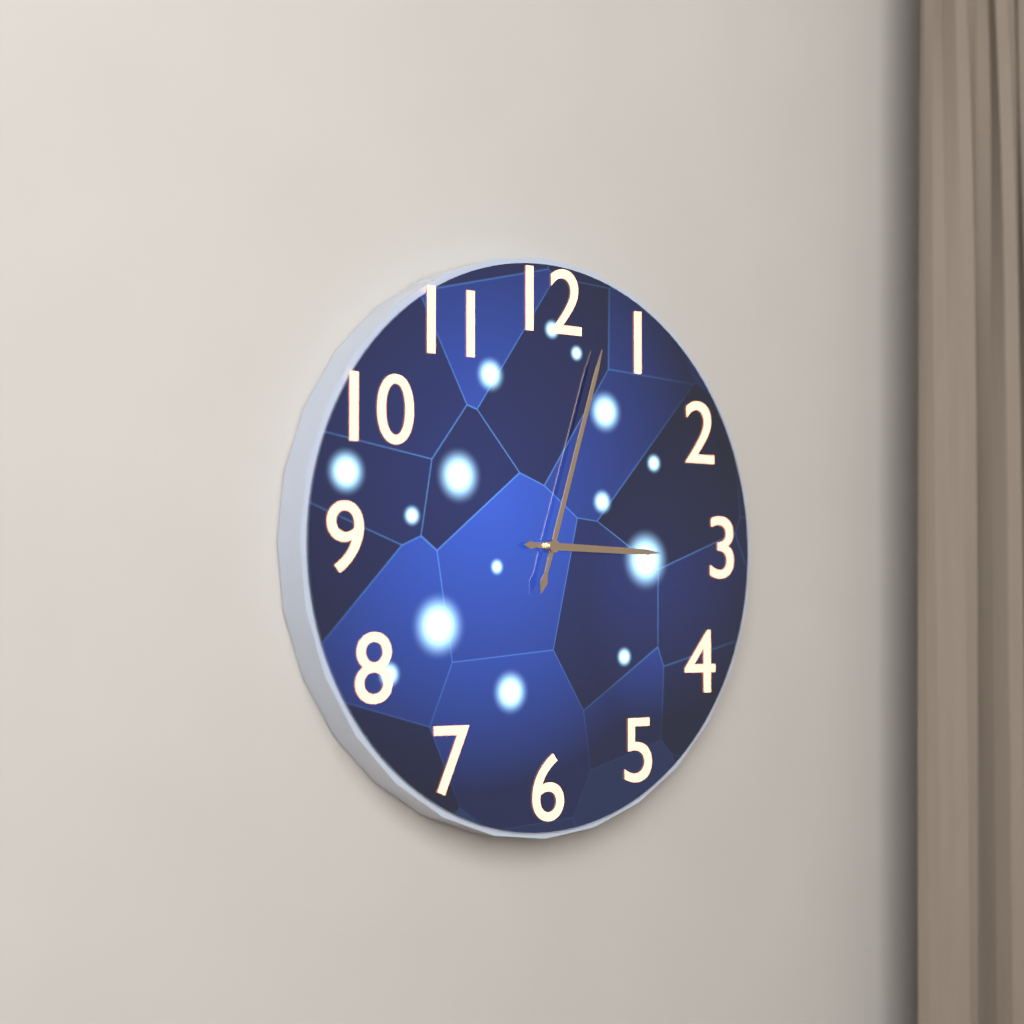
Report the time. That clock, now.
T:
3:03
